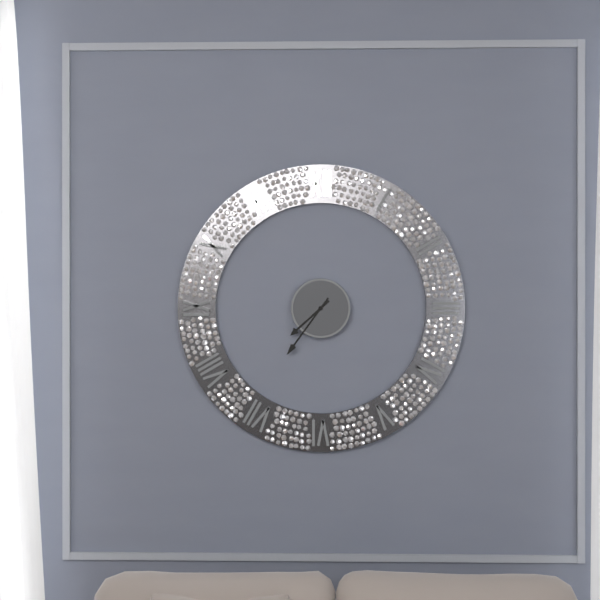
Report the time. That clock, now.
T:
7:36
